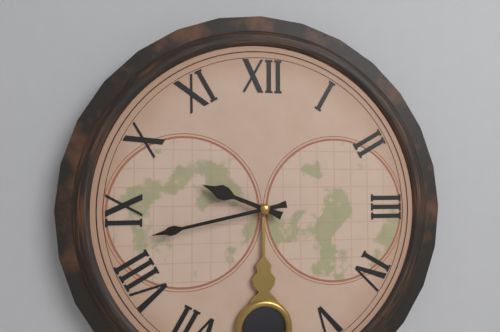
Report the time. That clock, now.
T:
9:43
